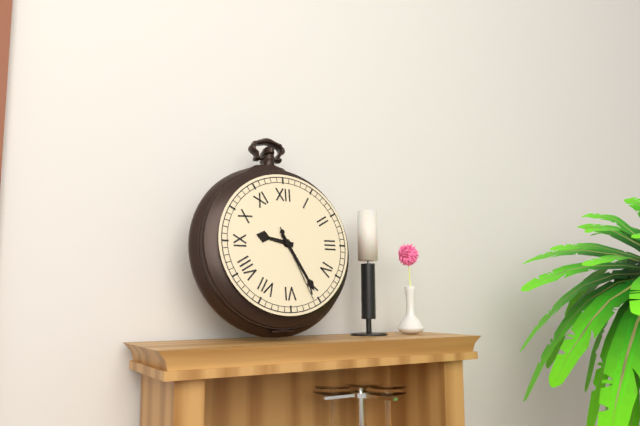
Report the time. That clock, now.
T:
9:25:26
